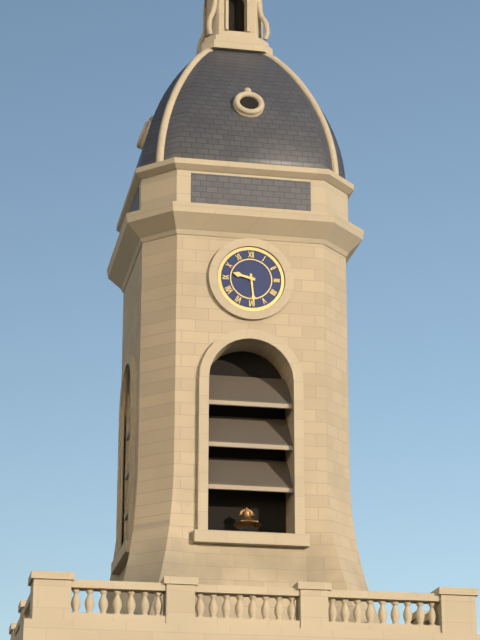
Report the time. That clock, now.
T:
9:29
